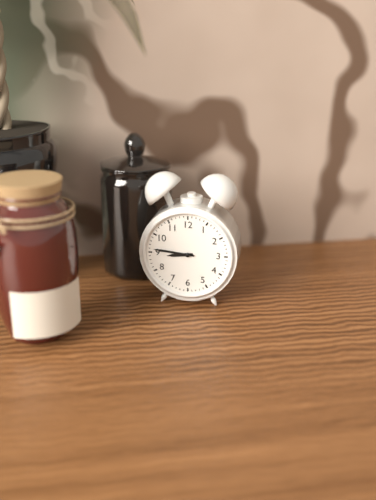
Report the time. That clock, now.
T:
8:46
